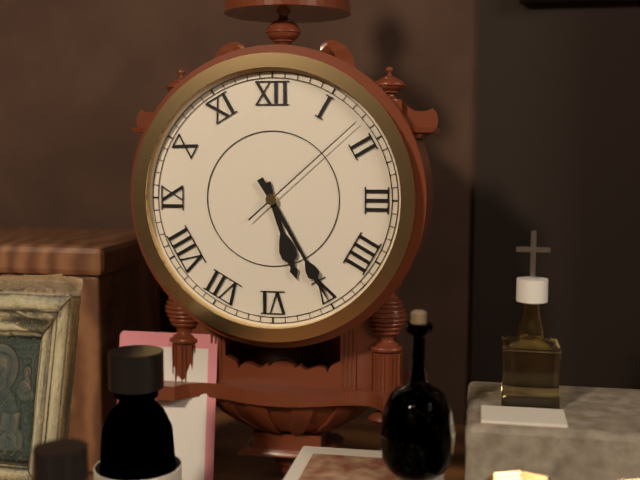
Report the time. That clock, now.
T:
5:25:08
